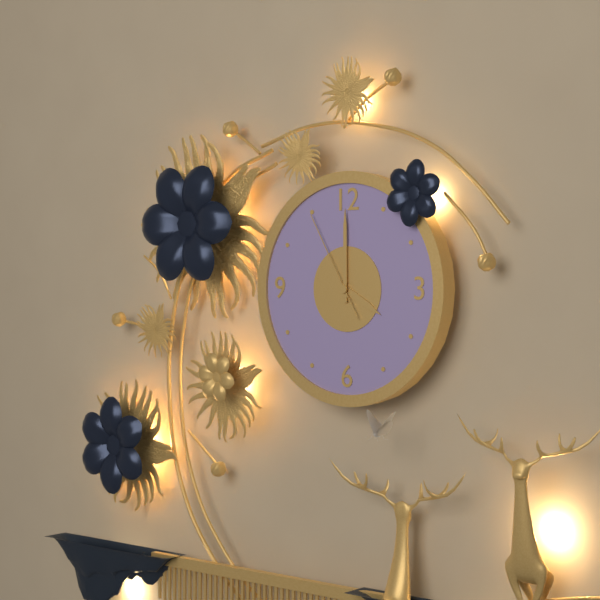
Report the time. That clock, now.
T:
4:00:55
